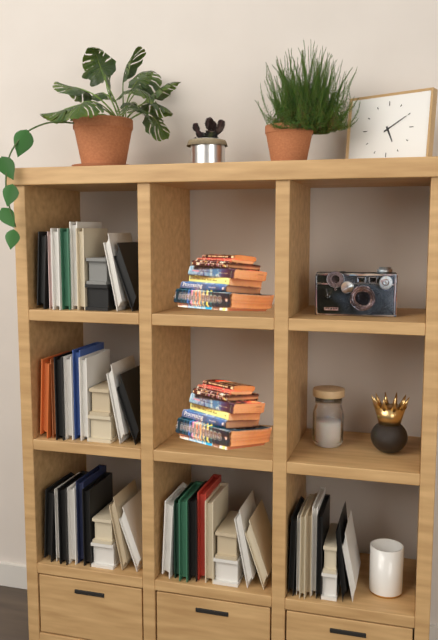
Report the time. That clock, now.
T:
5:10
